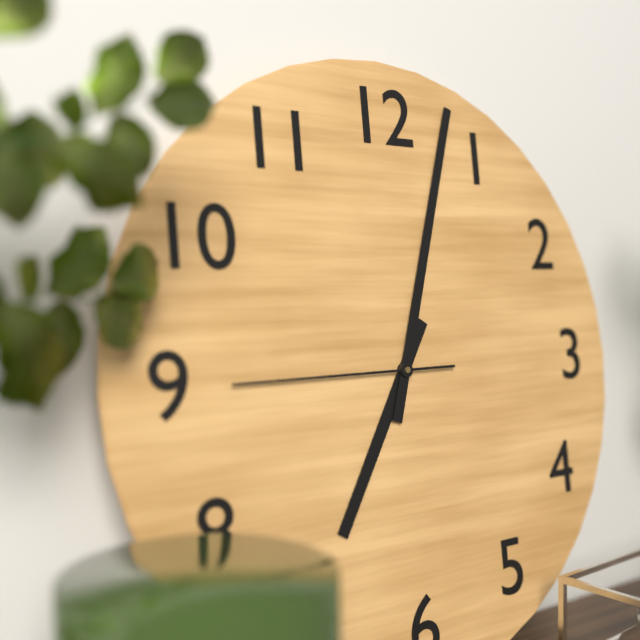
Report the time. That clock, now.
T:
7:03:45
